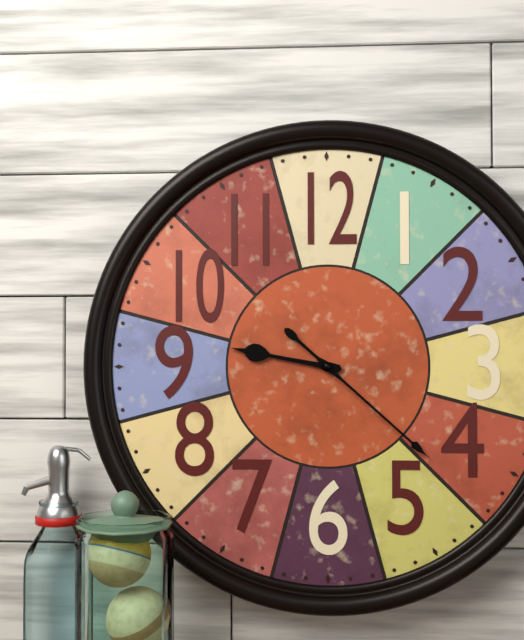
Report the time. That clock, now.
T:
9:22
